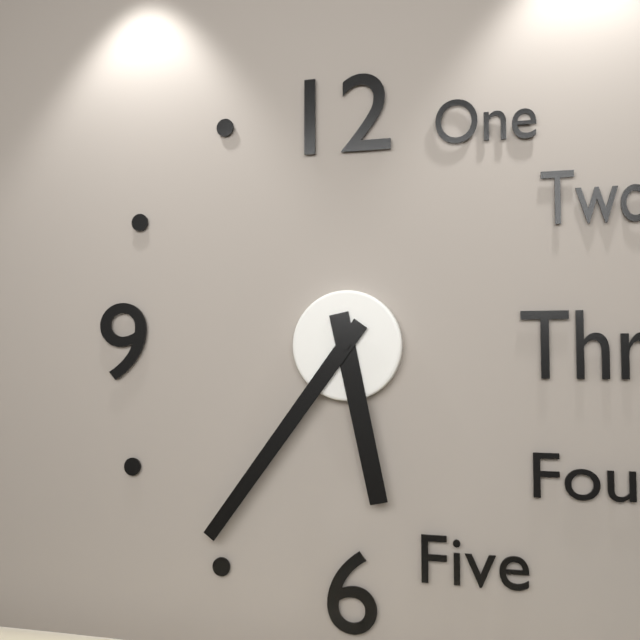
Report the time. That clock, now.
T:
5:36
